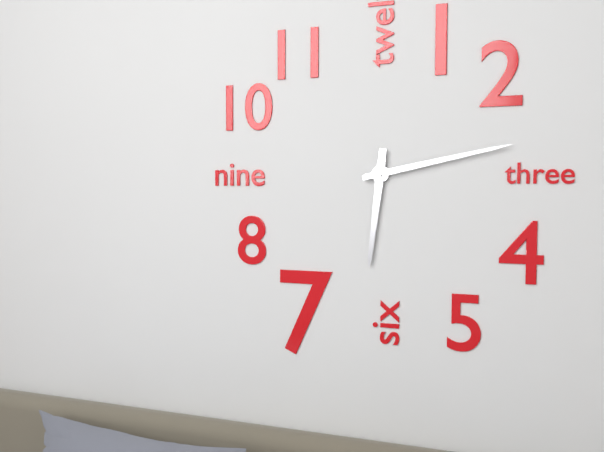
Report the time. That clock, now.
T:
6:13
